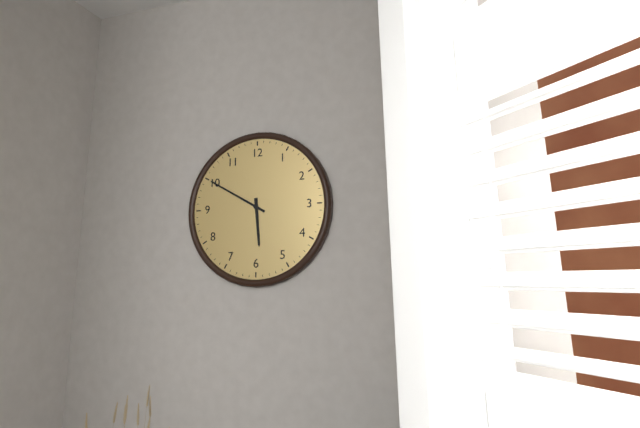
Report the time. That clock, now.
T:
5:50
